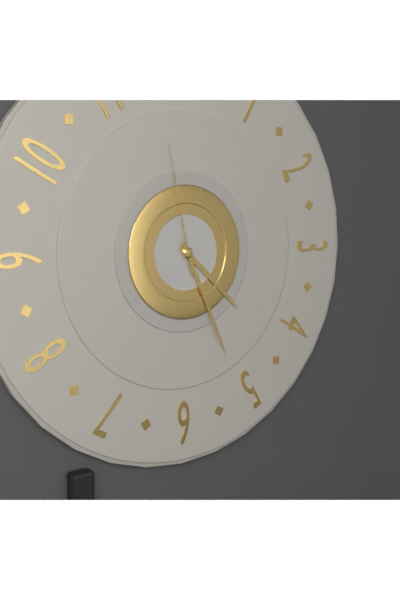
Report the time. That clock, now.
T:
4:26:58
